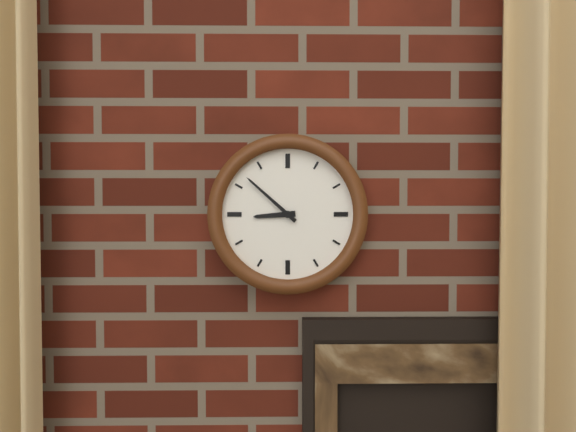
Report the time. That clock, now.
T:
8:52
